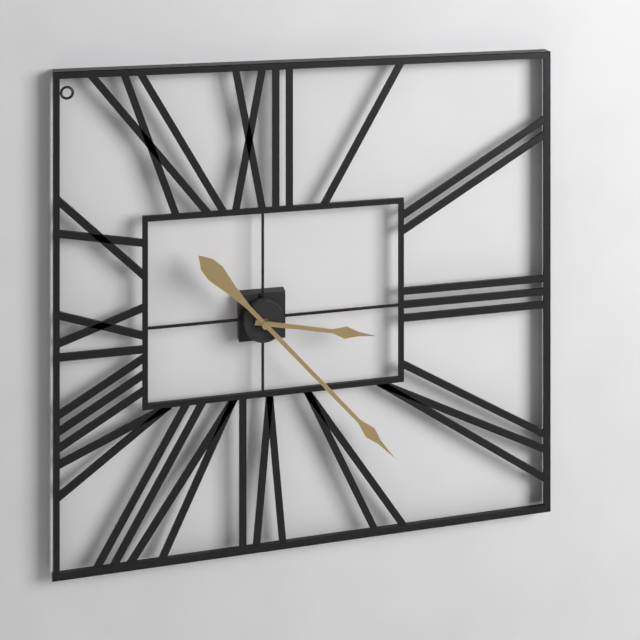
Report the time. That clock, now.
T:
3:23
